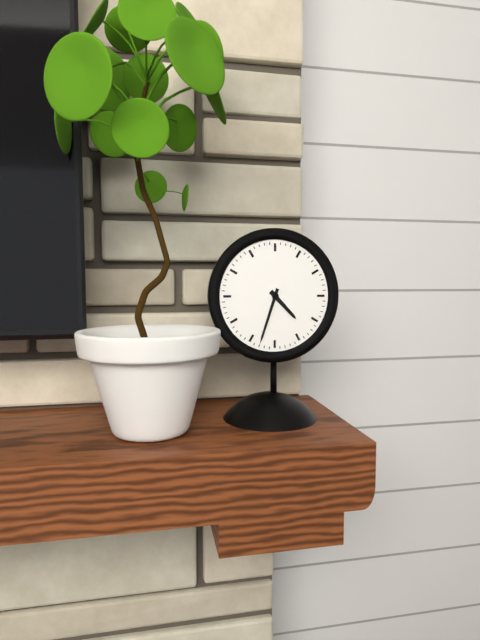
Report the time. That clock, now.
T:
4:33
